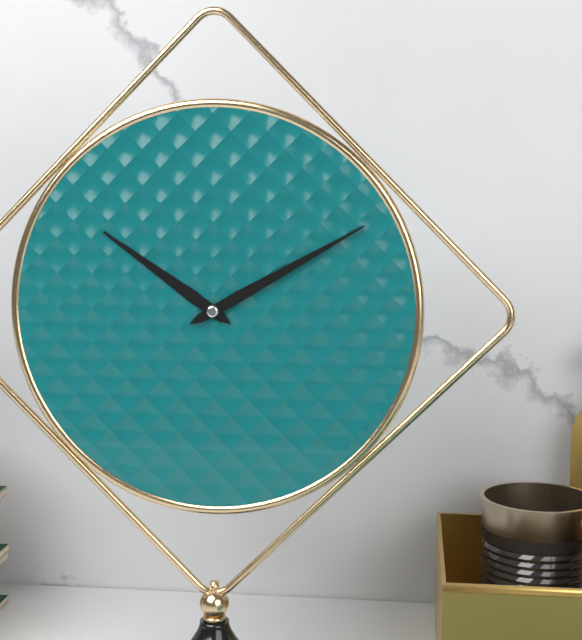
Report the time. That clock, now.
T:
10:10
